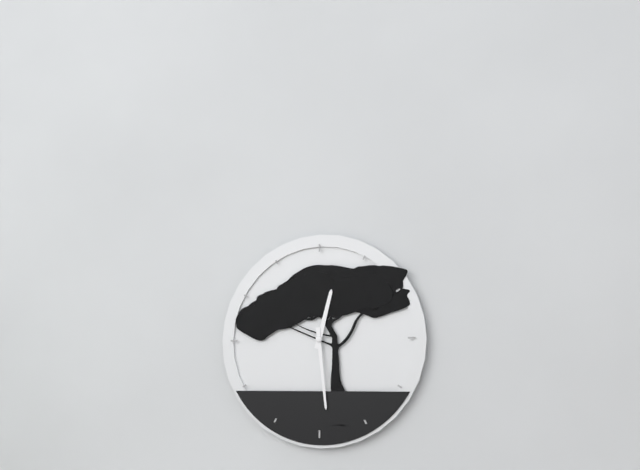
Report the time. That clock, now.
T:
12:29
